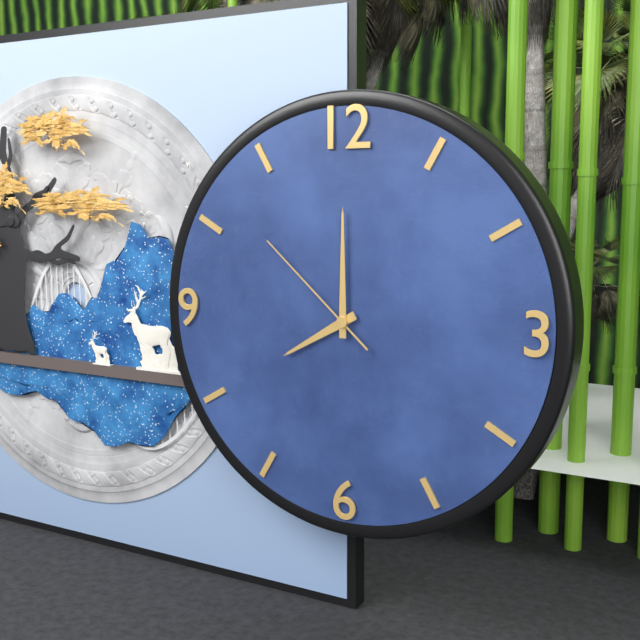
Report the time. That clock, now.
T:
8:00:52
